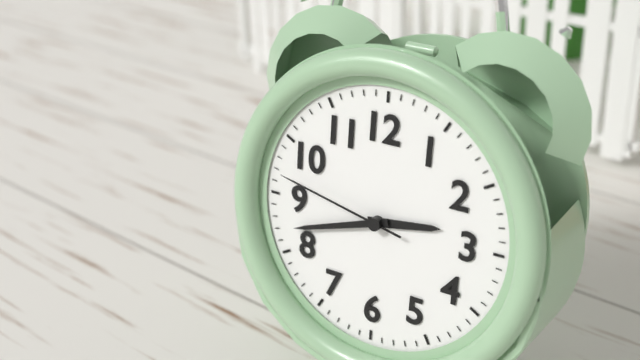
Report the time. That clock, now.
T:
2:42:47
